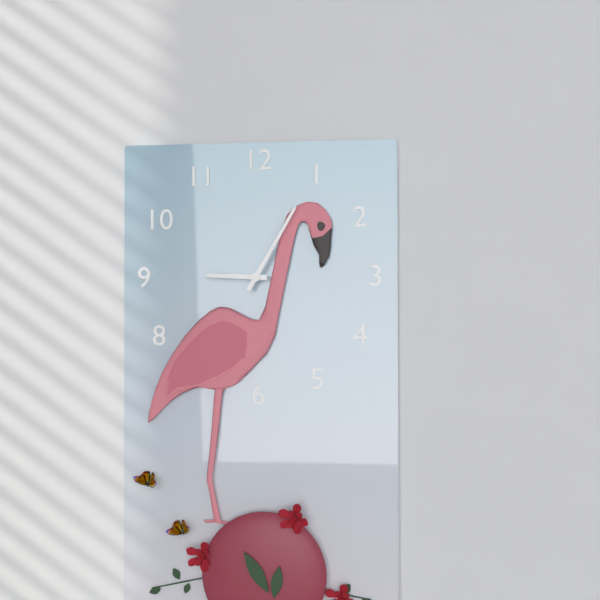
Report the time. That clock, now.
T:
9:05
